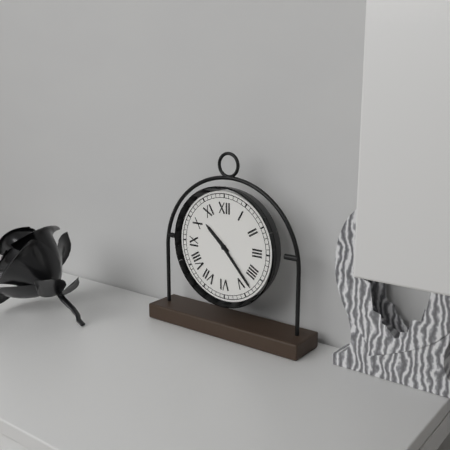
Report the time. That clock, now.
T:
10:23
